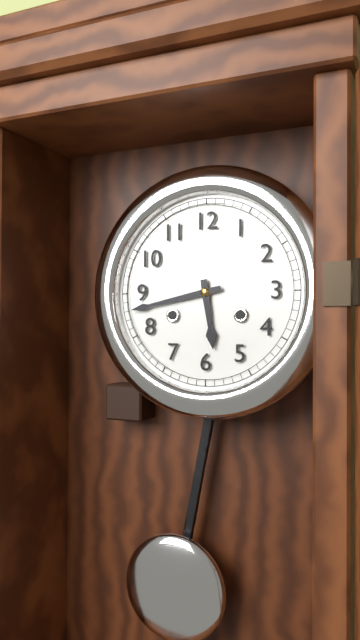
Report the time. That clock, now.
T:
5:43
